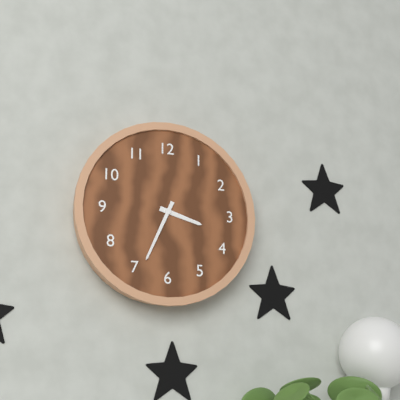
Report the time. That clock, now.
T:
3:34
